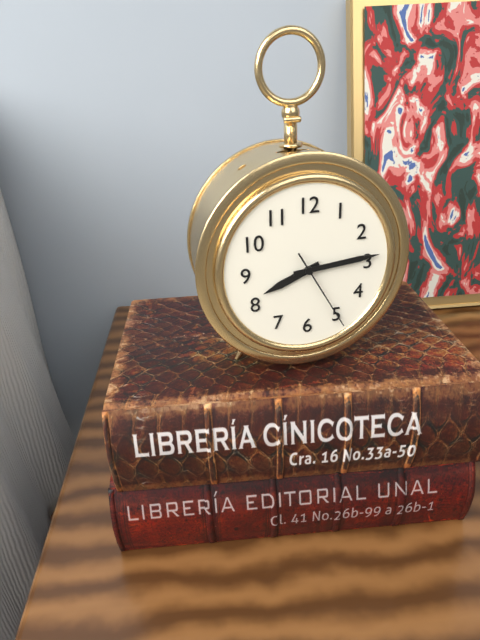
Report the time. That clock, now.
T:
8:14:25
